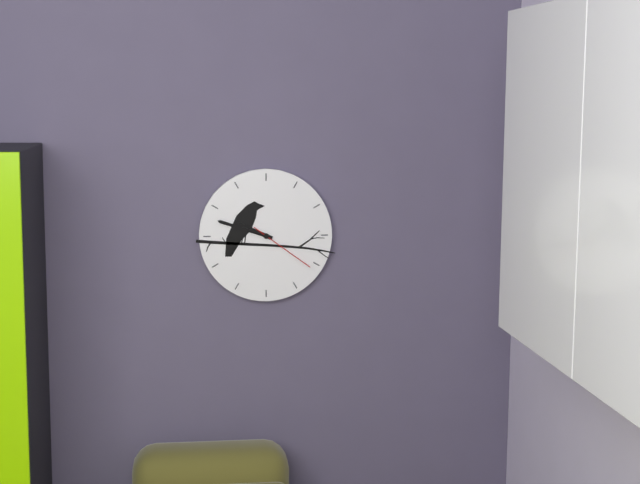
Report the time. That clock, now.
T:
9:48:21
